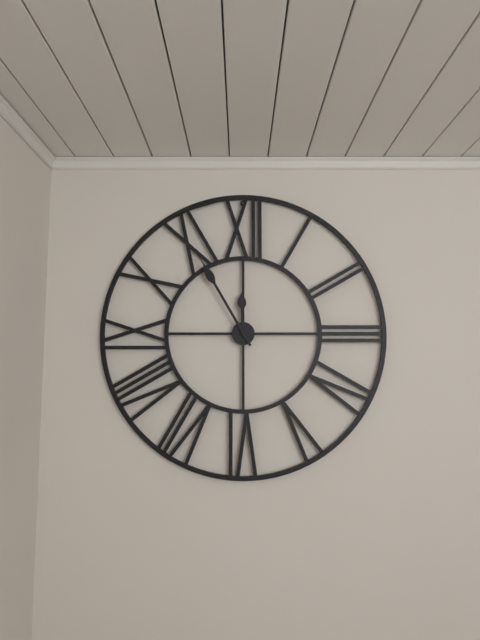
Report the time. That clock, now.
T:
11:55
